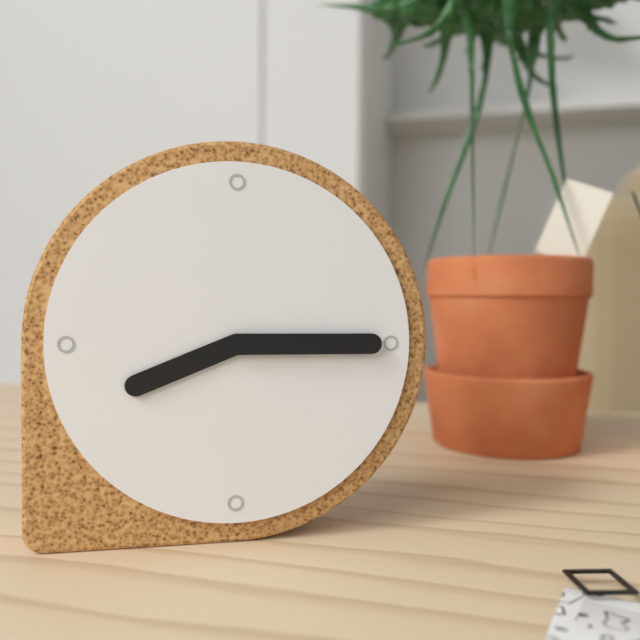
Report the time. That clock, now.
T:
8:15
